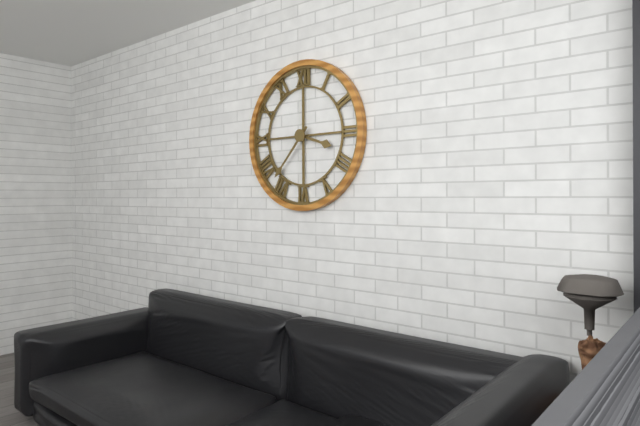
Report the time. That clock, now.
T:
3:37
